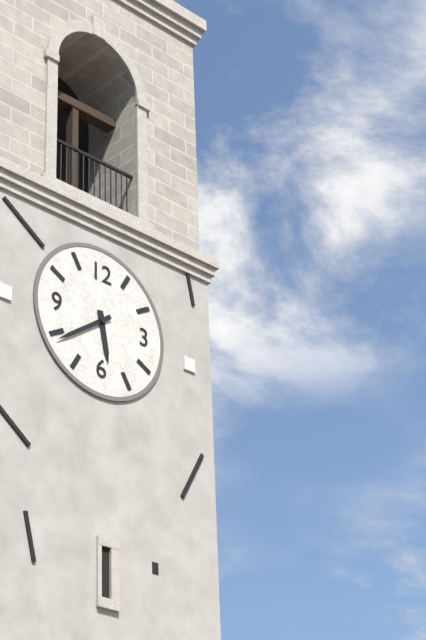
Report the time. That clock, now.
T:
5:39
